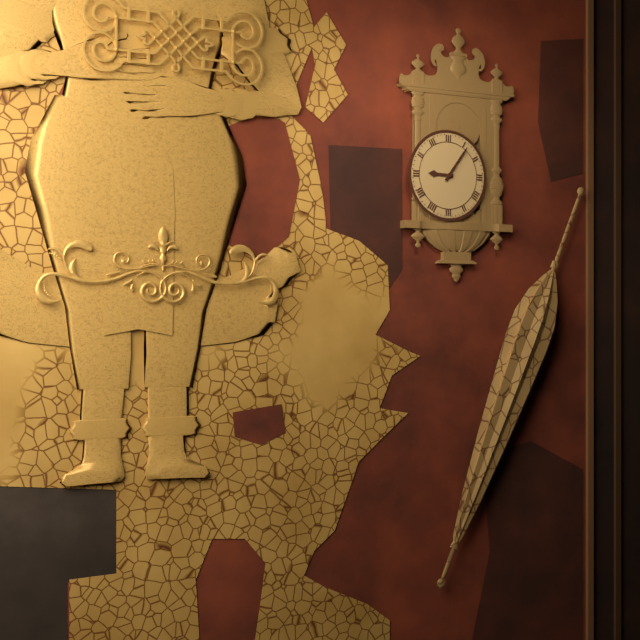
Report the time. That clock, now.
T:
9:06
